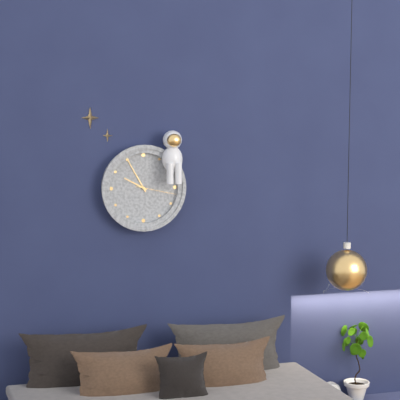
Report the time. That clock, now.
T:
9:55
